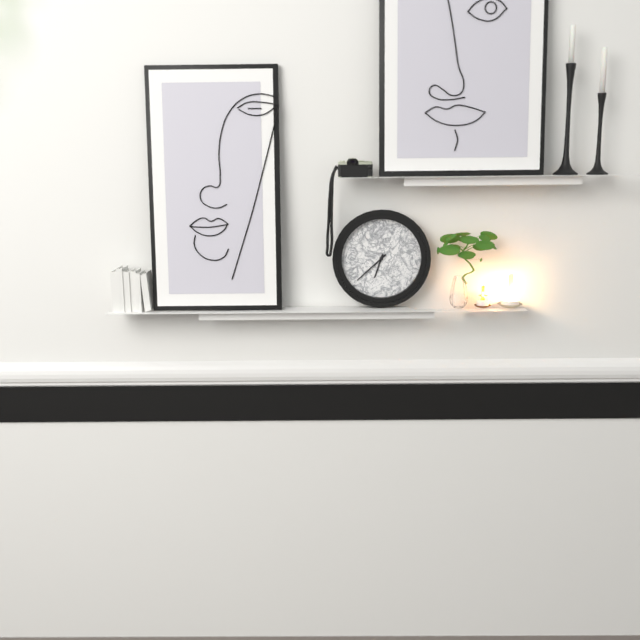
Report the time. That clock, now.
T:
6:38
